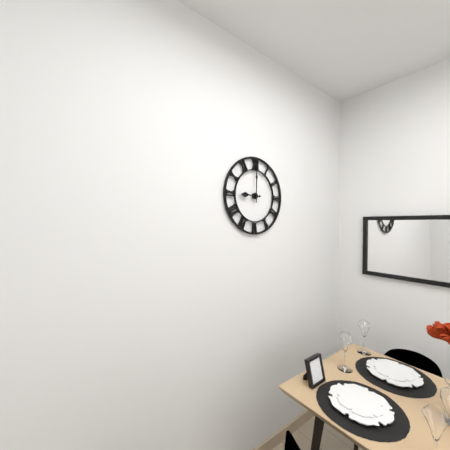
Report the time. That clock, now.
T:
9:00
